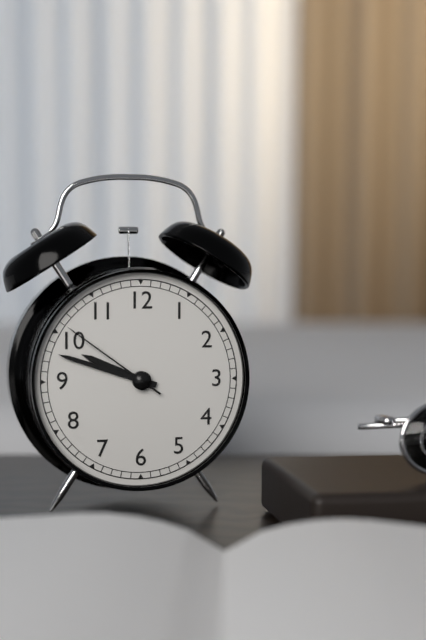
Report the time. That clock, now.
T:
9:48:51
